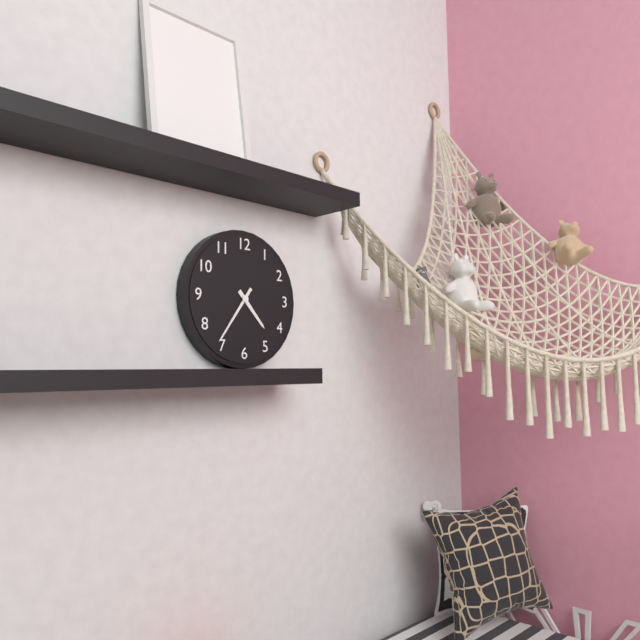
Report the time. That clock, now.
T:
4:36
